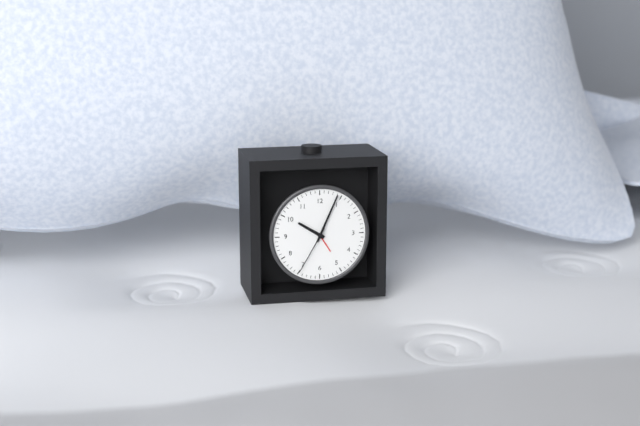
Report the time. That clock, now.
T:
10:04:35
